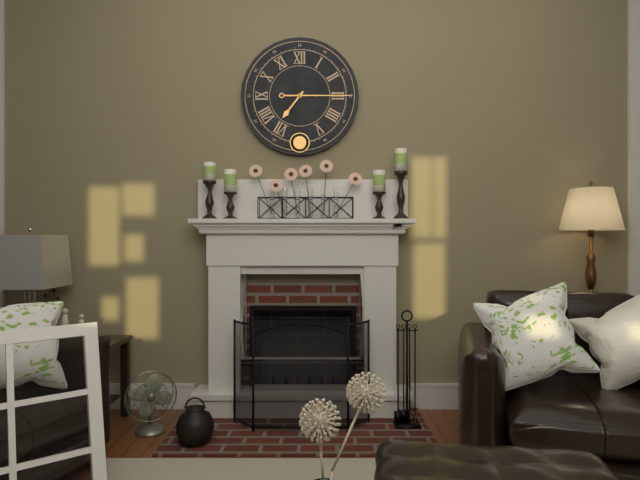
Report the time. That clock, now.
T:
7:15
